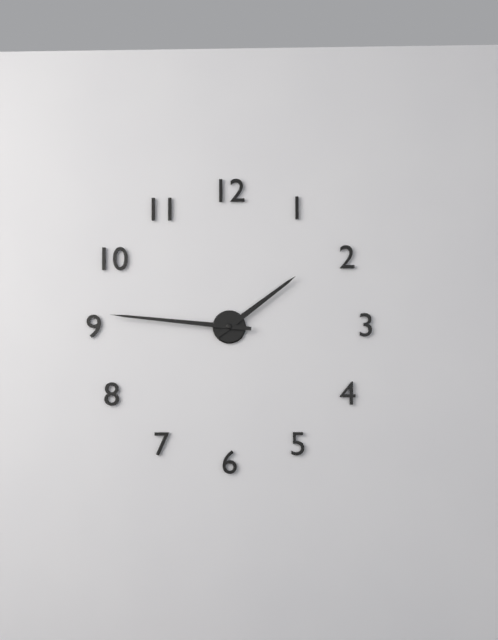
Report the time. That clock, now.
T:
1:46
